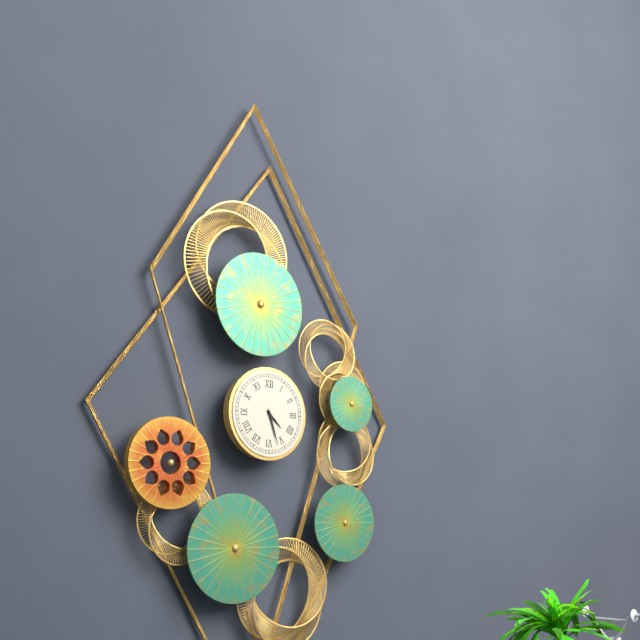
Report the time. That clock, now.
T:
4:27
